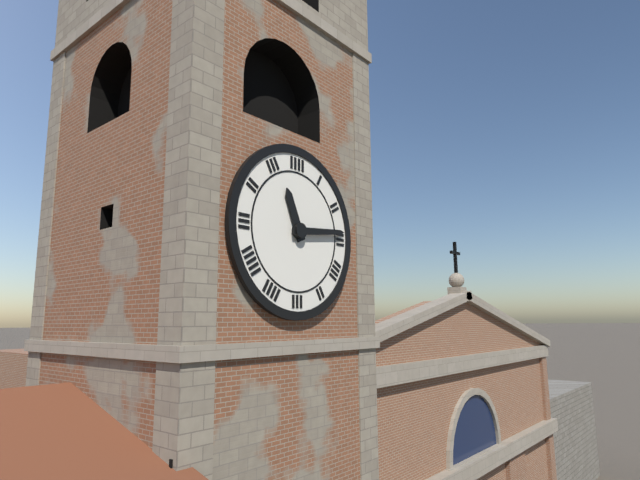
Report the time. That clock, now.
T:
11:14
